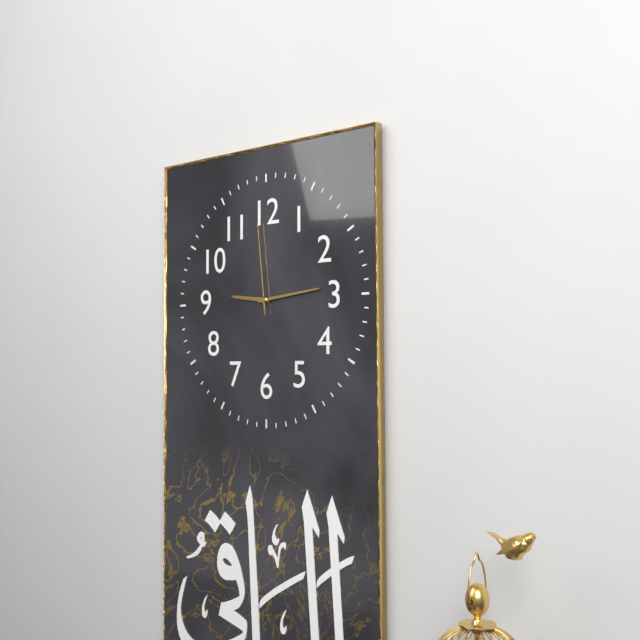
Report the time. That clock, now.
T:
9:14:59
